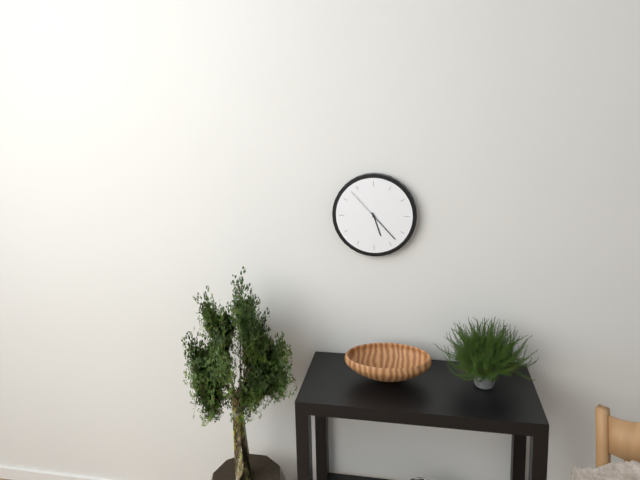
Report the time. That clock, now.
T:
5:23
